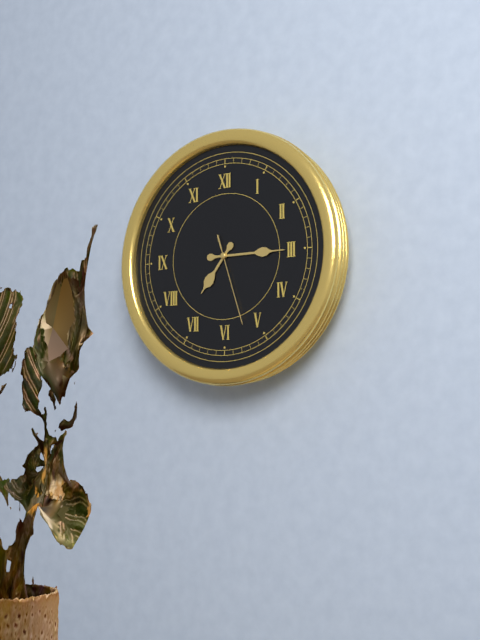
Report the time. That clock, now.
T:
7:15:27
